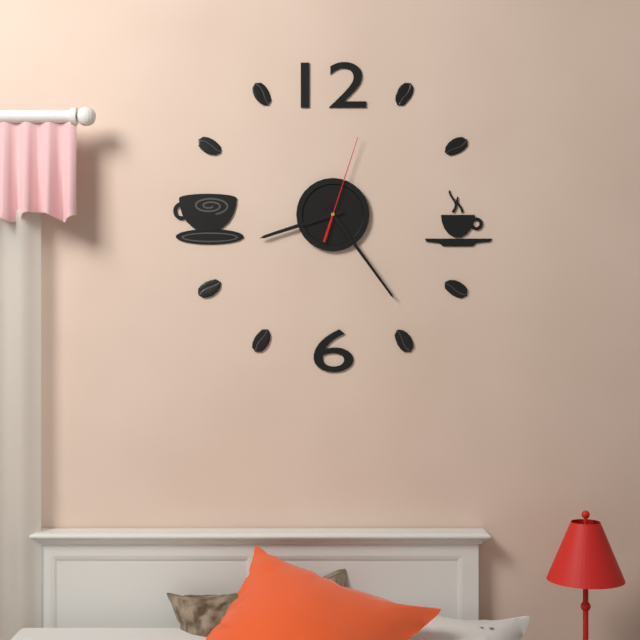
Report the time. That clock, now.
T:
8:24:03
